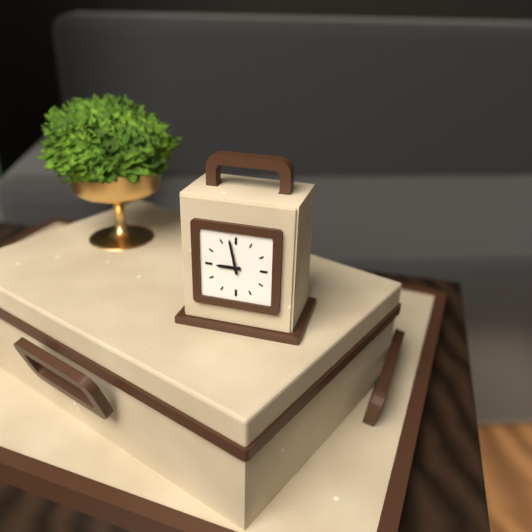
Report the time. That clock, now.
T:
8:58
